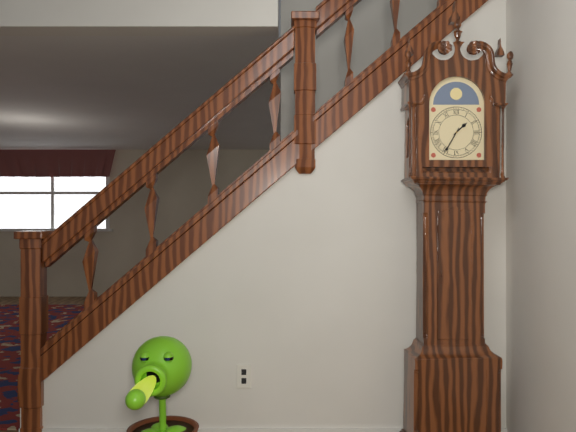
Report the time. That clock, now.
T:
1:35
